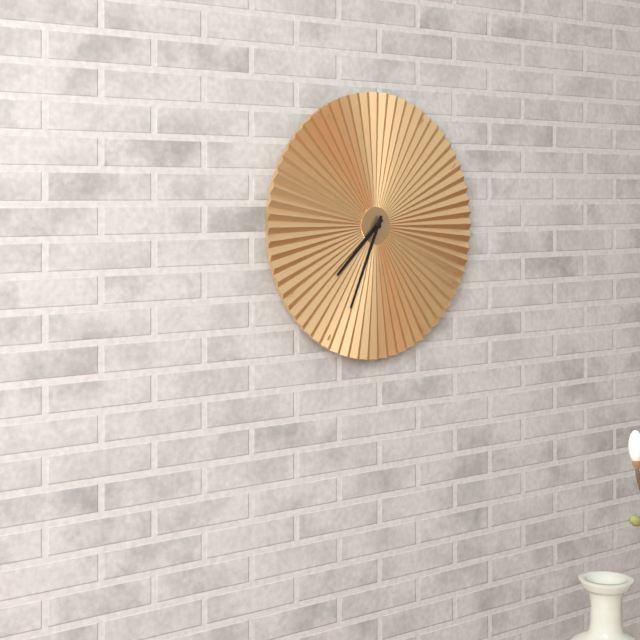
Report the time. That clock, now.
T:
7:34
